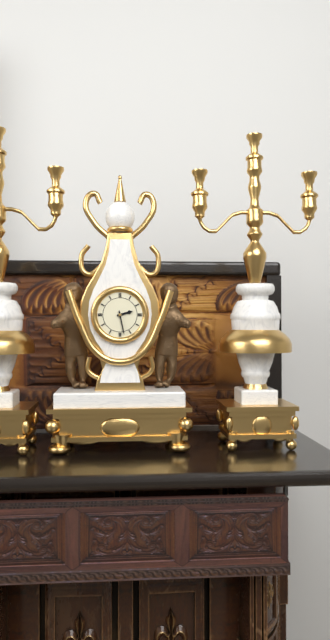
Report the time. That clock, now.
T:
2:28
